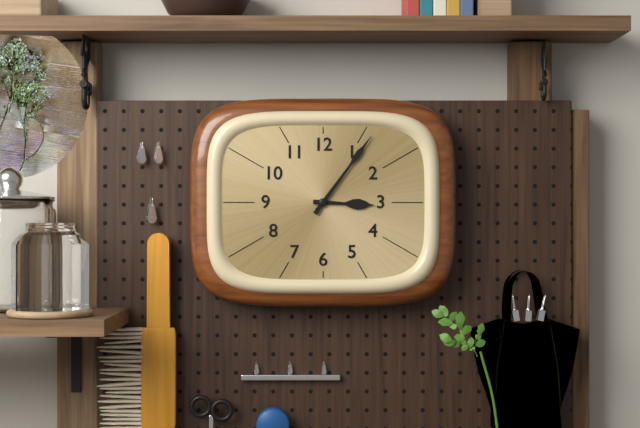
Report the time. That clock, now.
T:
3:06
